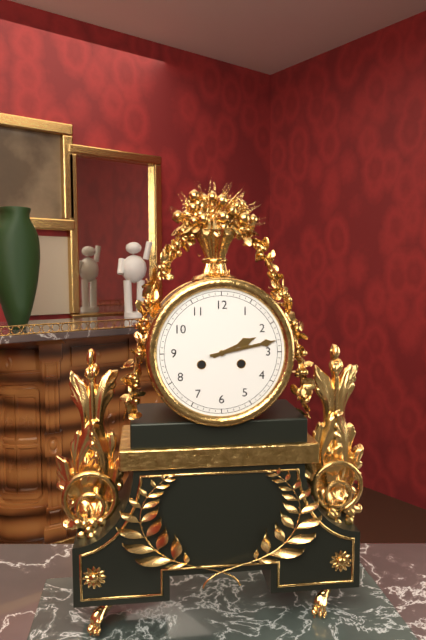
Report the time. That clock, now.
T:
2:13
